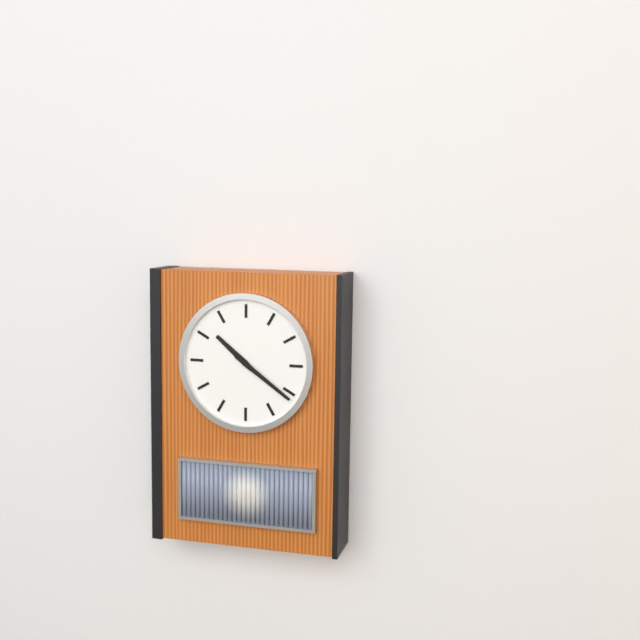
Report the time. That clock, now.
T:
10:21
